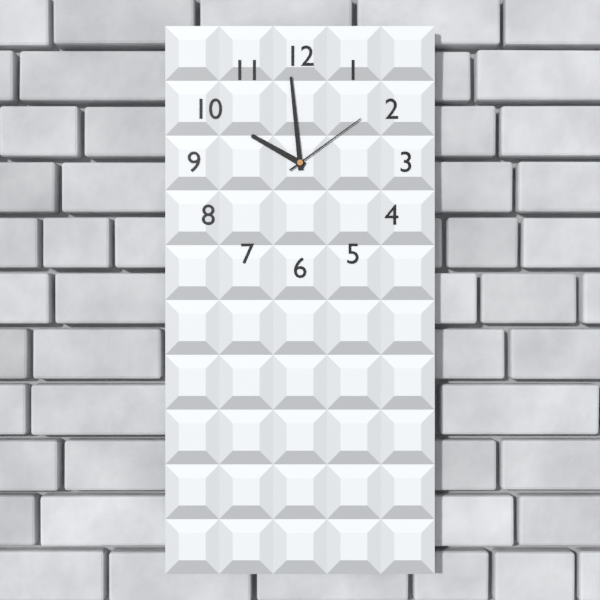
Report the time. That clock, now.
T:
9:59:09
